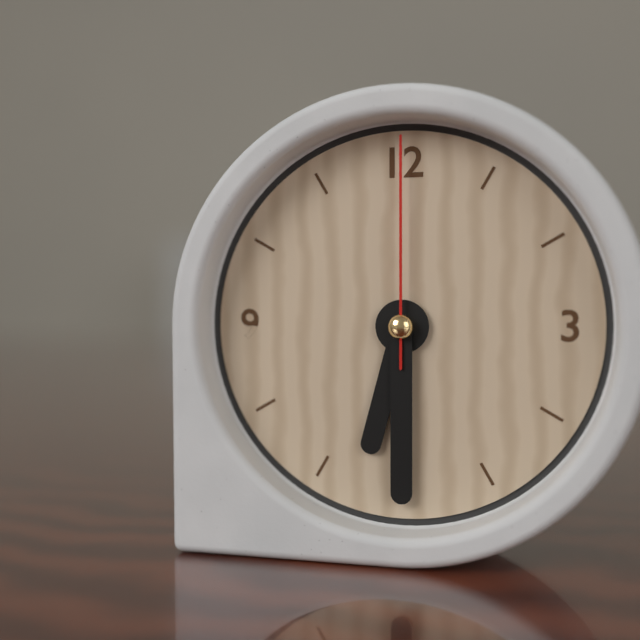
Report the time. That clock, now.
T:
6:30:00
